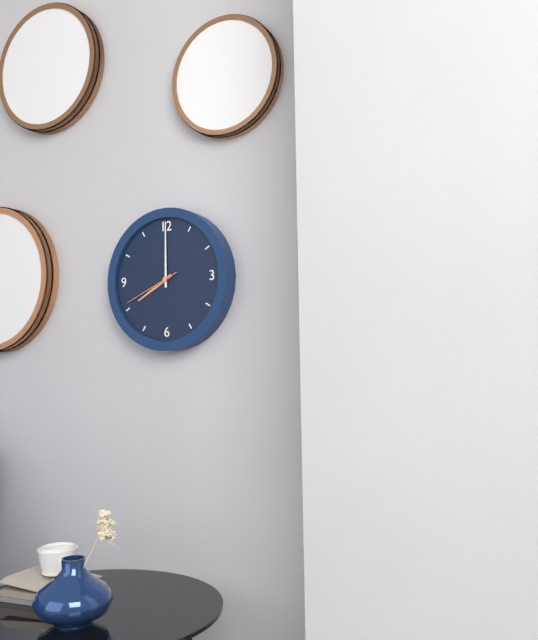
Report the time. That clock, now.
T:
8:00:41
